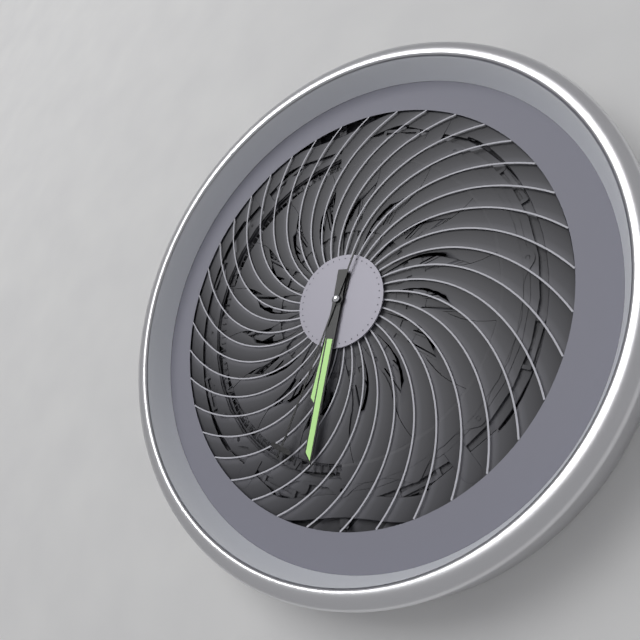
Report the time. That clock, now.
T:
6:32:34
